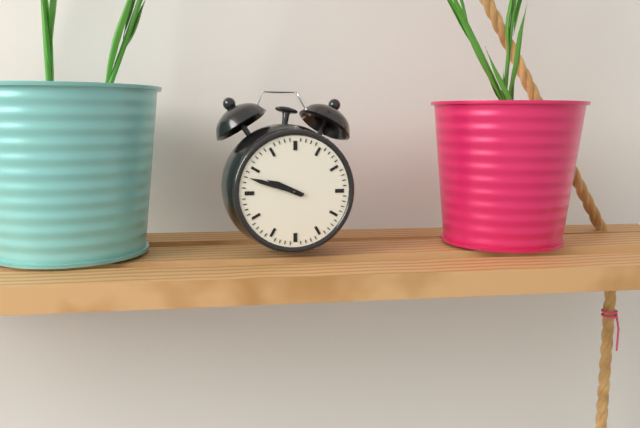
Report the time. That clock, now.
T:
9:48
